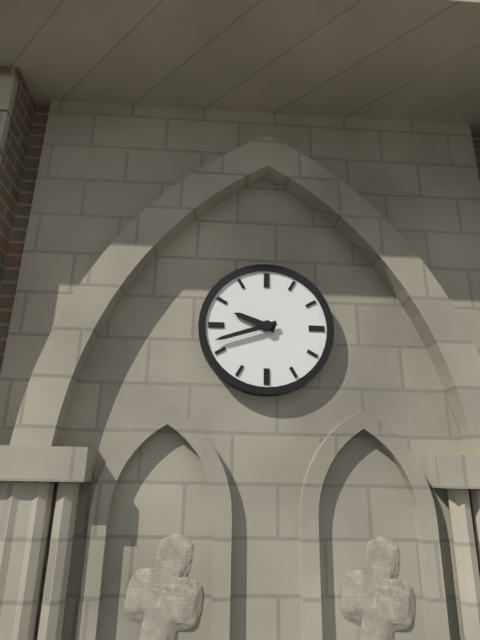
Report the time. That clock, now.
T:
9:42
